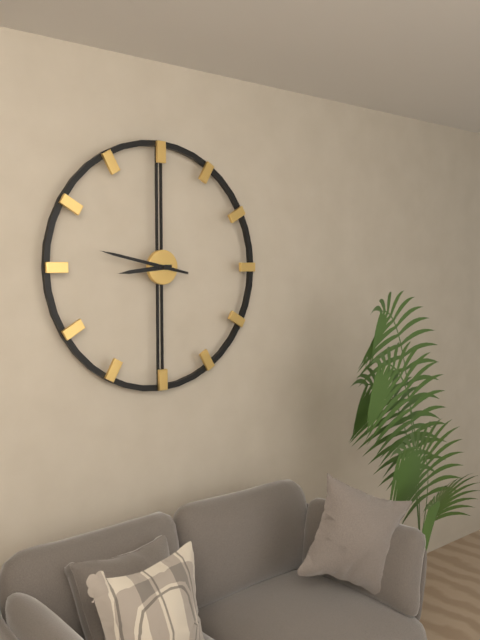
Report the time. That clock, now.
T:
8:47
